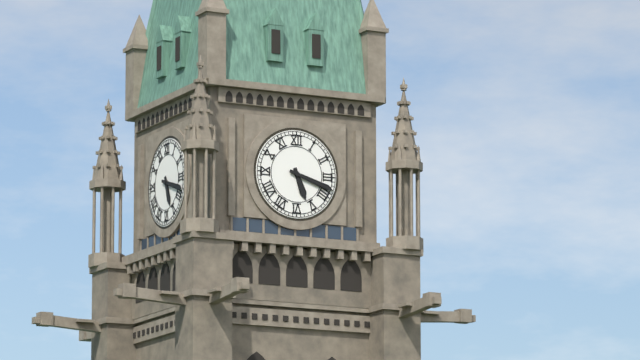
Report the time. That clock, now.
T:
5:18
